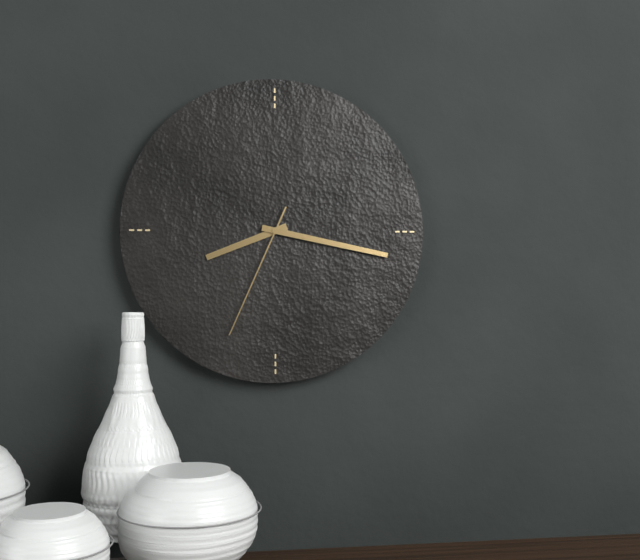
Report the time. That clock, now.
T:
8:17:34
